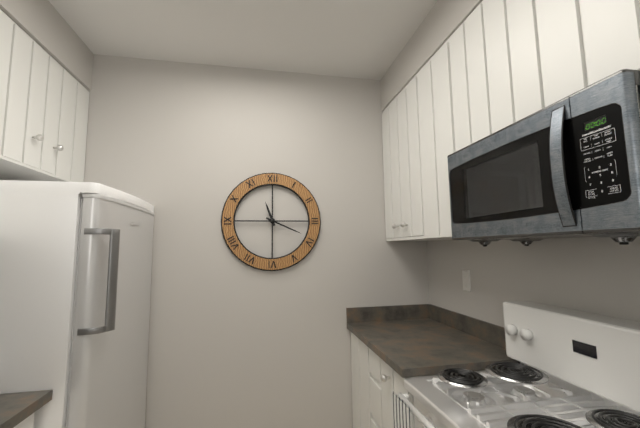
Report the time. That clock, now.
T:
11:19
